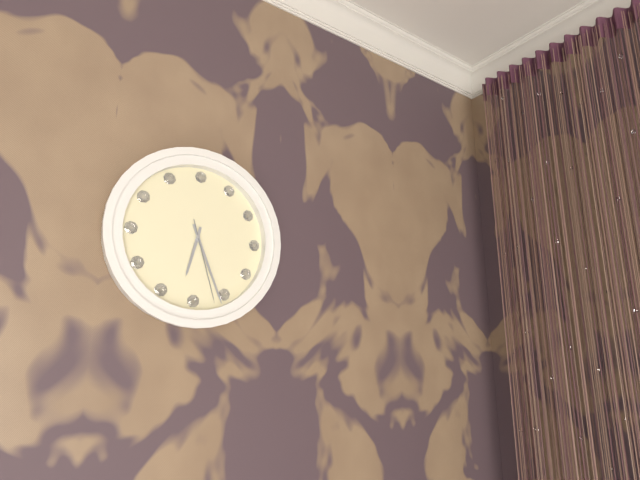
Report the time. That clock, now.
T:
6:26:27
